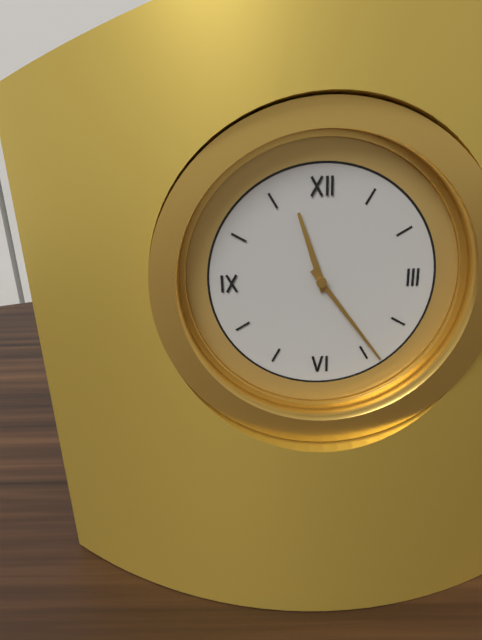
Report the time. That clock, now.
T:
11:24
